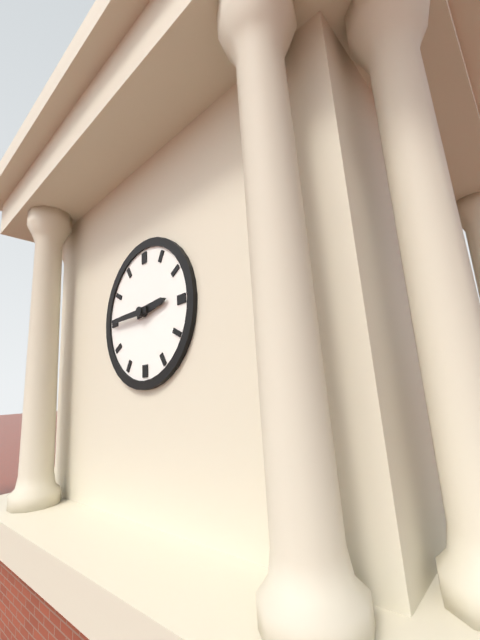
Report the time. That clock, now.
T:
2:45
